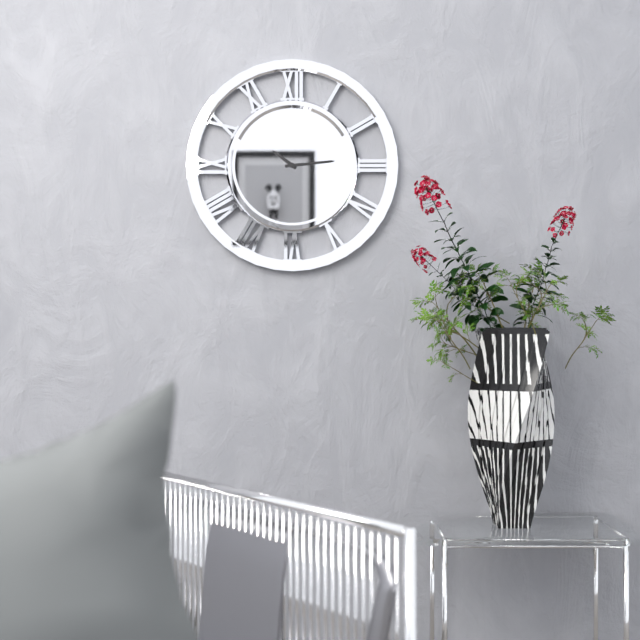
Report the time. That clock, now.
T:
10:14
